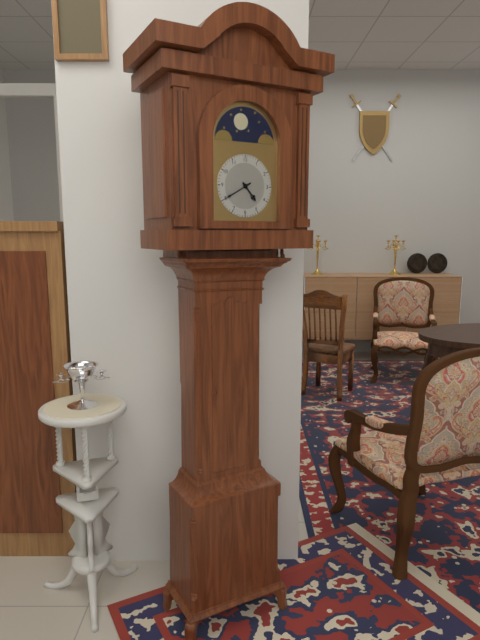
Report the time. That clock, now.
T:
4:40
